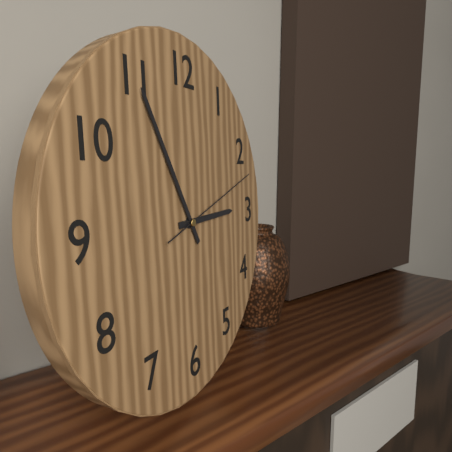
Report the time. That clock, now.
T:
2:55:12
